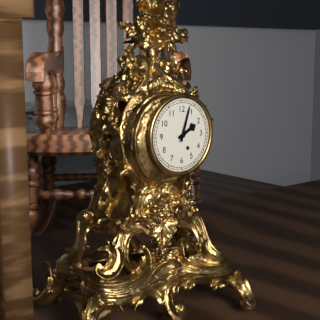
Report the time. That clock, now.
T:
2:03
